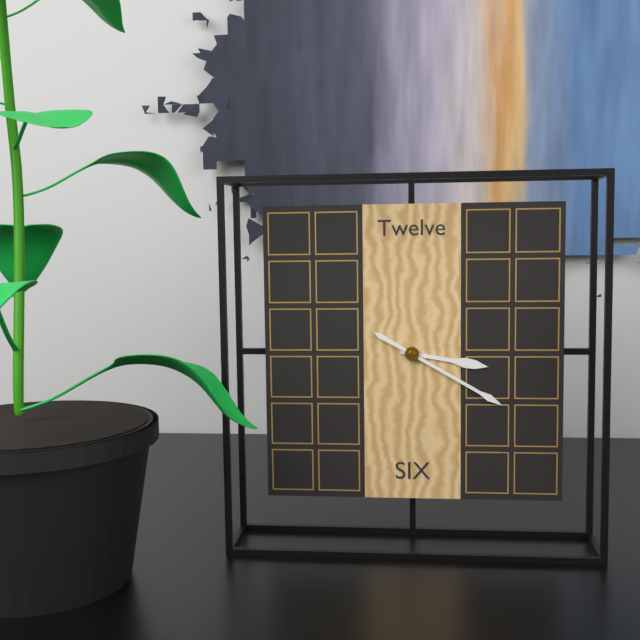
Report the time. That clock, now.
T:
3:20
